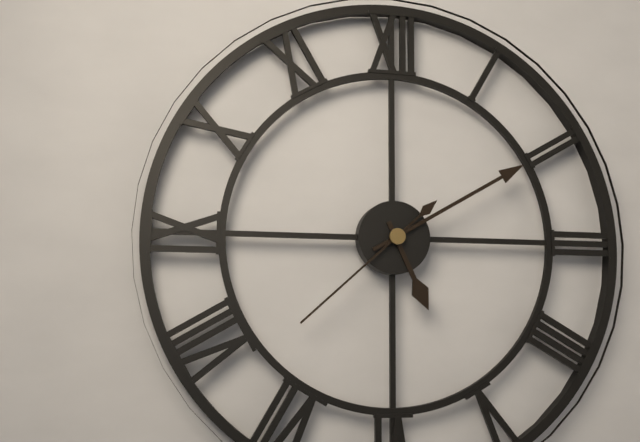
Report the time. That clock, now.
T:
5:10:38
